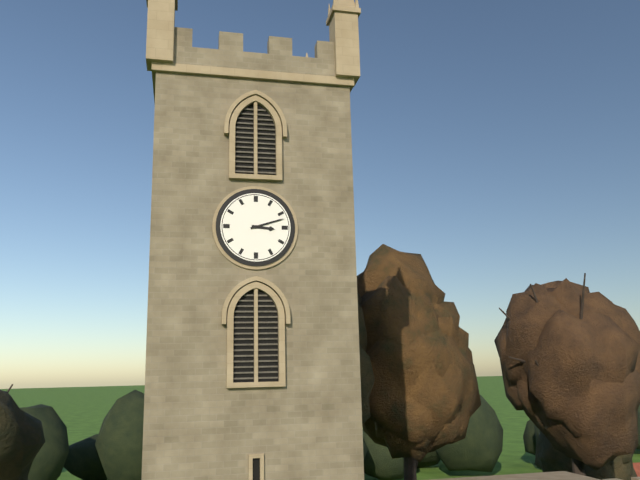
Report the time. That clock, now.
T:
3:12
